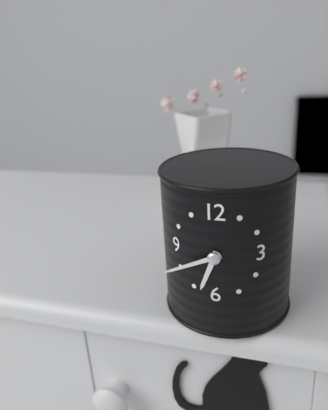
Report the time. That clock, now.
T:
6:41
